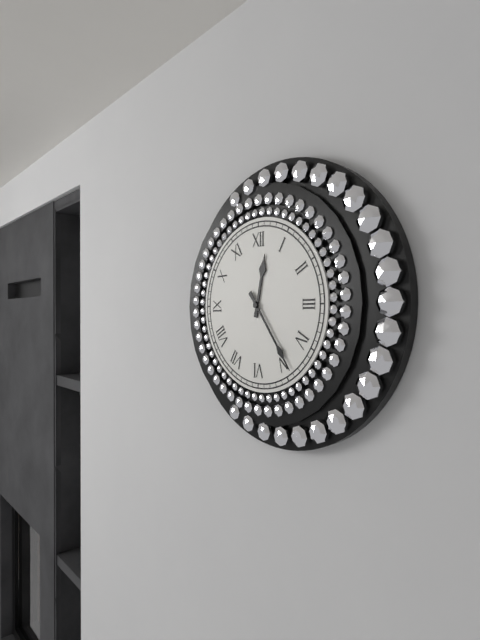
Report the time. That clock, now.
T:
12:24
